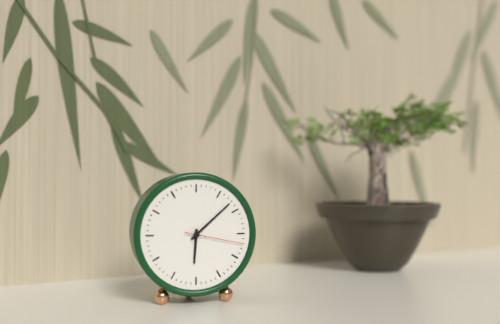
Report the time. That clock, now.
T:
6:08:17
